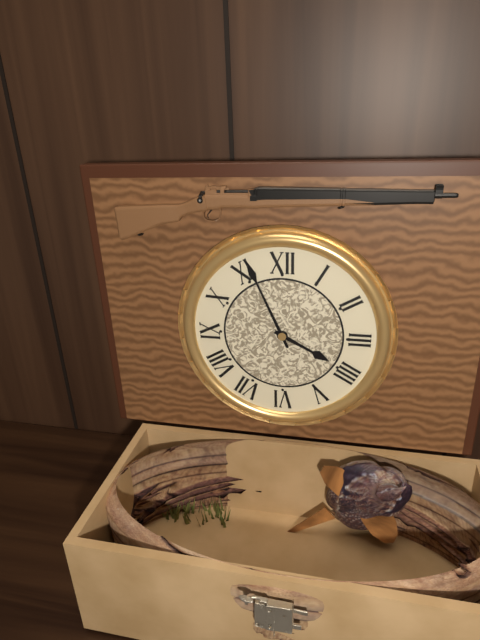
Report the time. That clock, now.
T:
3:56
